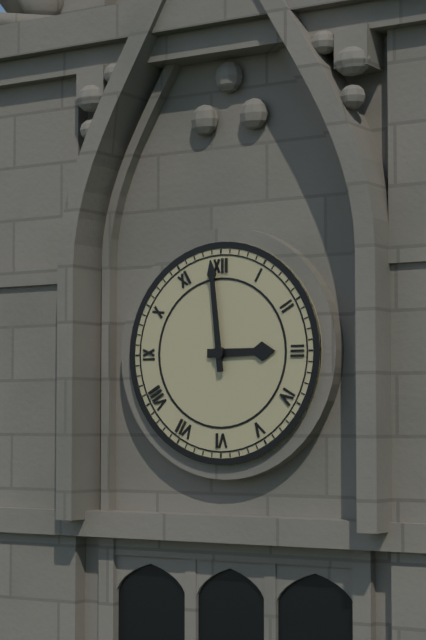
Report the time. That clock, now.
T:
2:59
